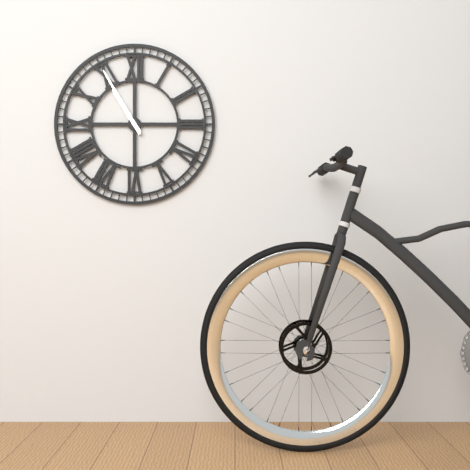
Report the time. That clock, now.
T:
10:55
